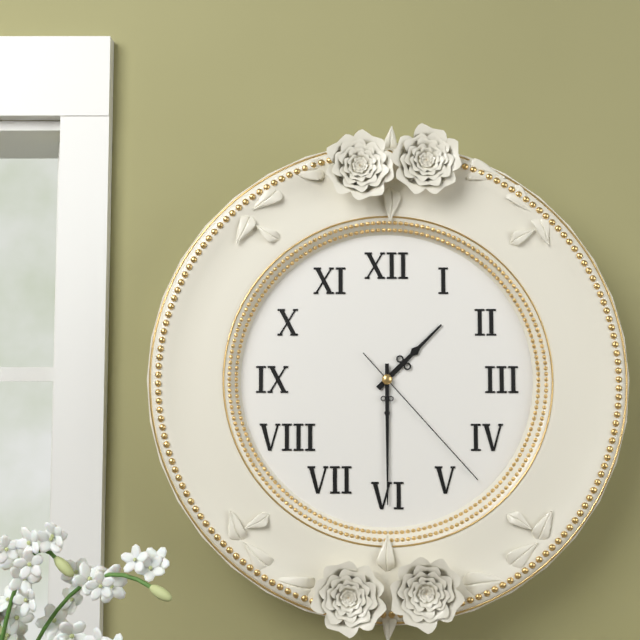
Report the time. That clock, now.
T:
1:30:23
